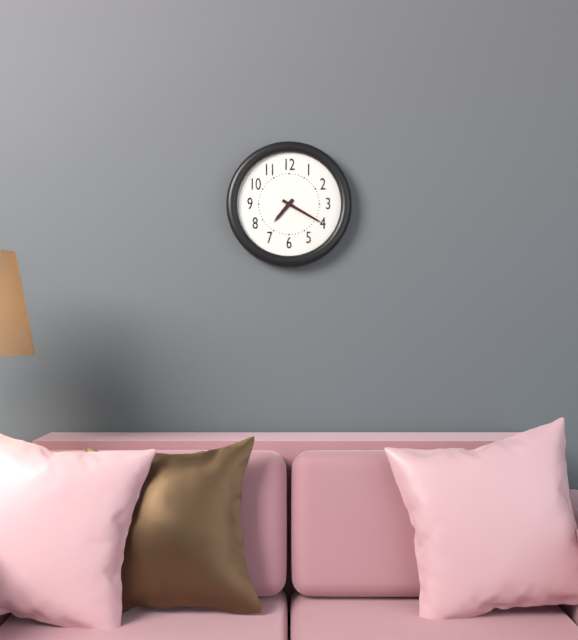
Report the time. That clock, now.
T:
7:20
